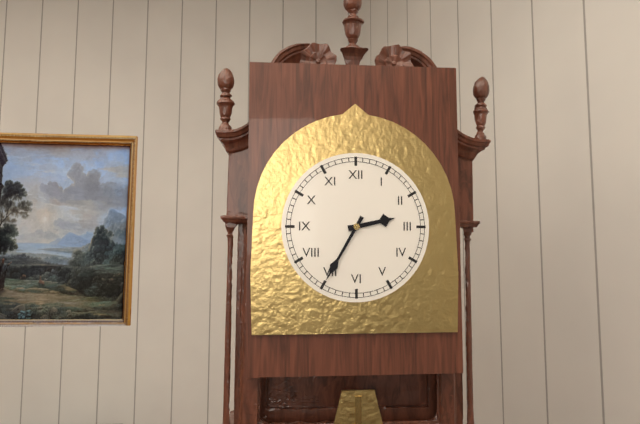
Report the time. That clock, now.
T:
2:35
